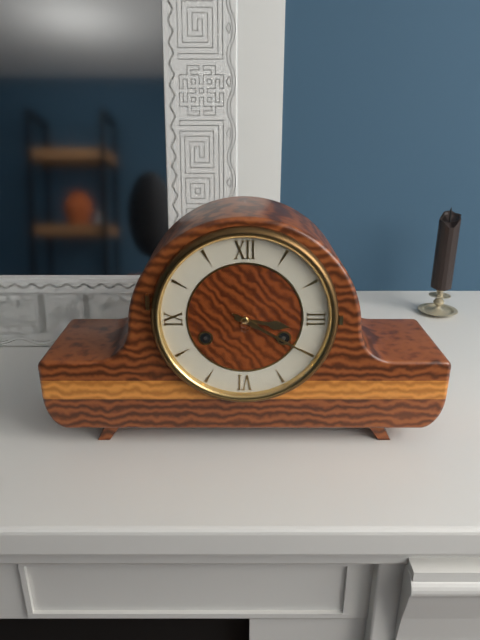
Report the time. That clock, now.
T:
3:20
